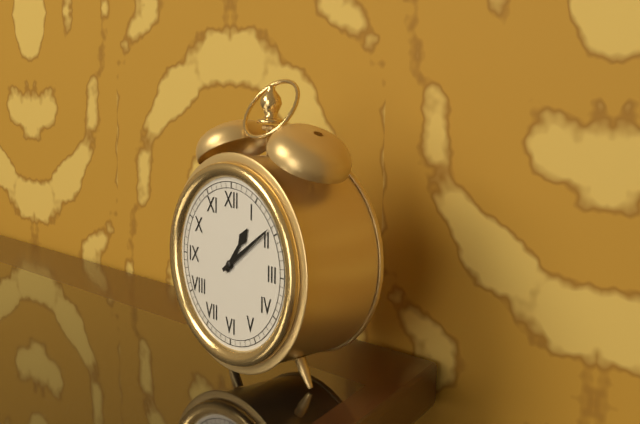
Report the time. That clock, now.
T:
1:09
